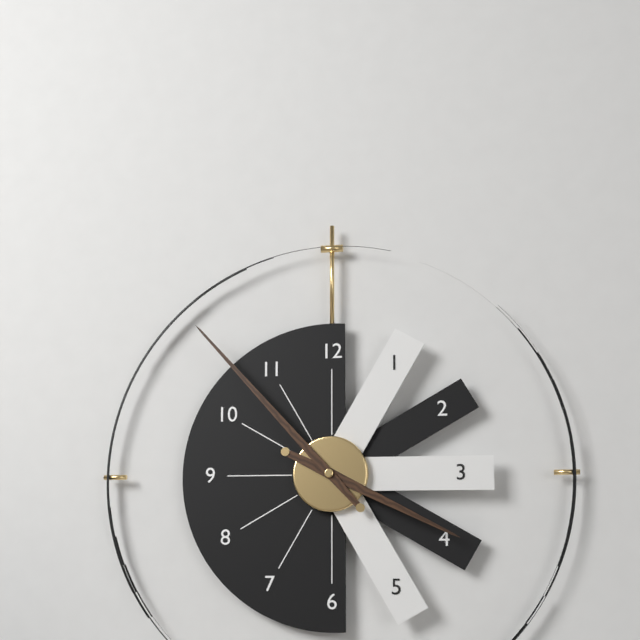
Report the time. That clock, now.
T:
3:53
